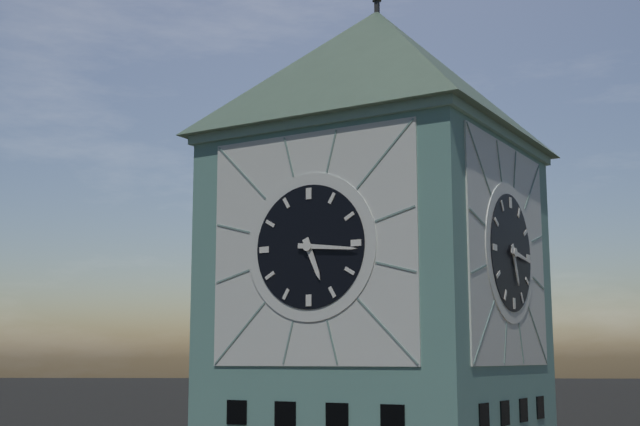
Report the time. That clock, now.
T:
5:16
